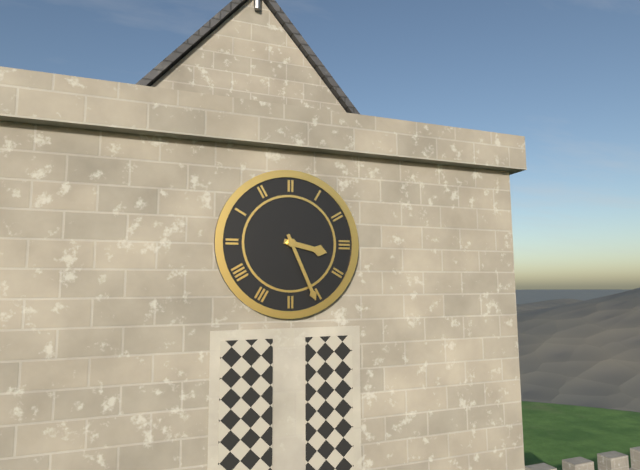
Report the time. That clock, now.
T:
3:26
